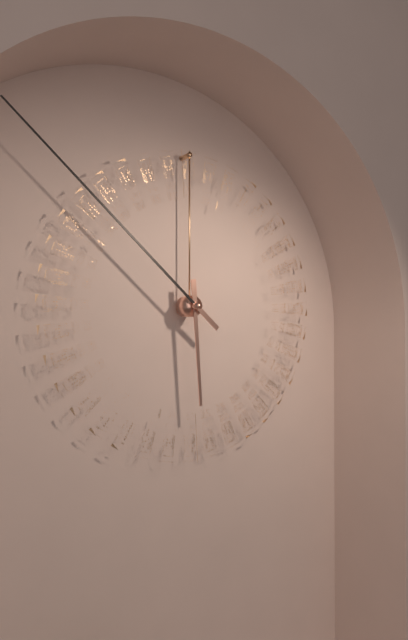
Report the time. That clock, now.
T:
5:52
